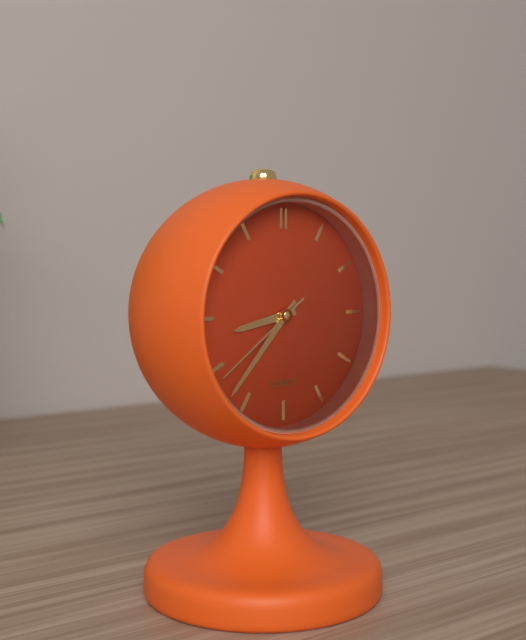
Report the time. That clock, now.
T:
8:37:39
